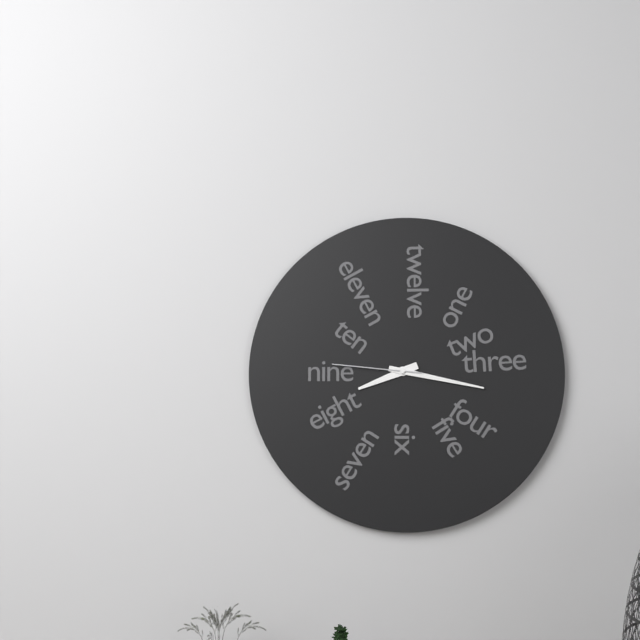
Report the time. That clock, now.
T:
8:17:46
